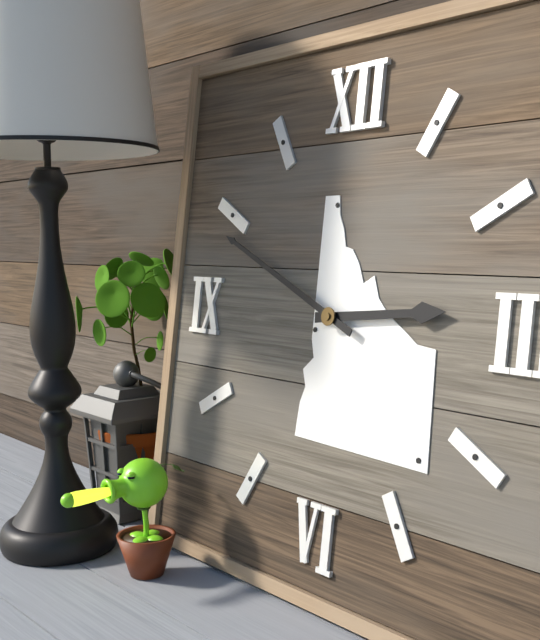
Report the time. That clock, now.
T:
2:49
